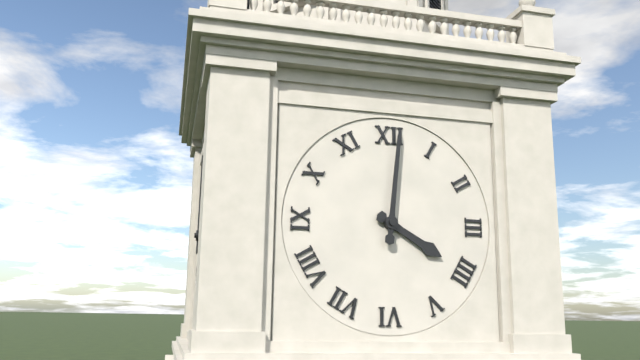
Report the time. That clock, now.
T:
4:01
